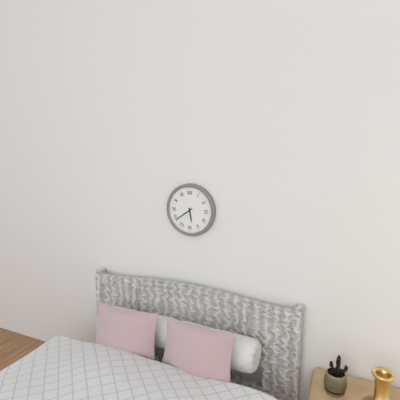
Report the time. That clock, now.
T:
5:39
